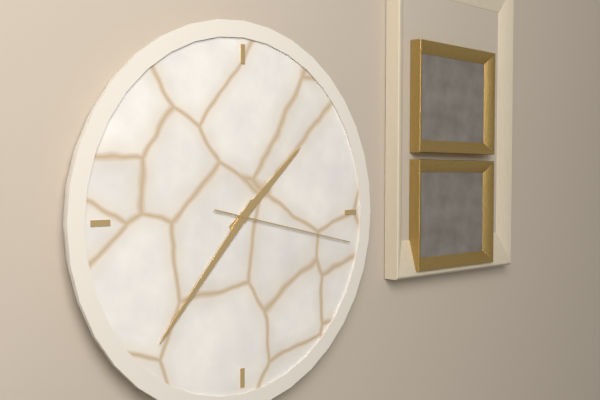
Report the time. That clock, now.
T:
1:37:17
